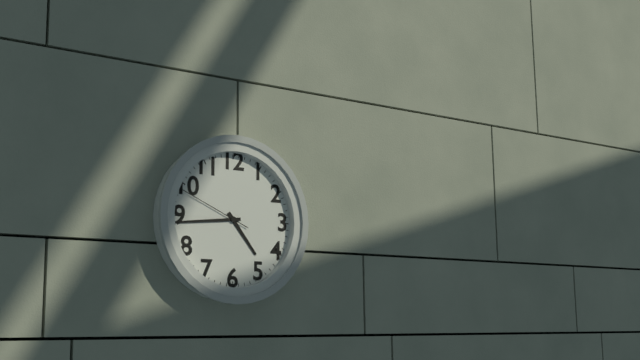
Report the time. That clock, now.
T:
4:44:49
